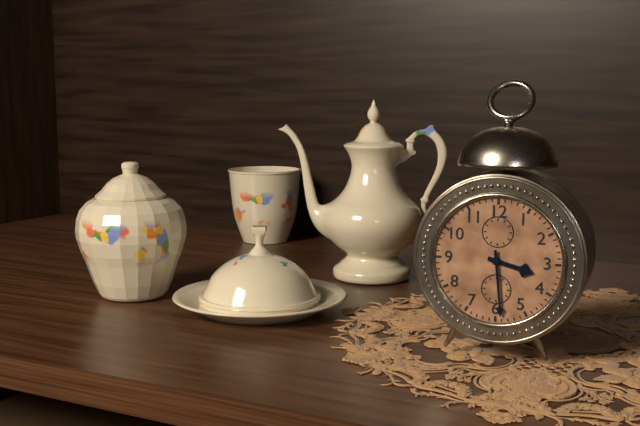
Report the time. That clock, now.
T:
3:29
